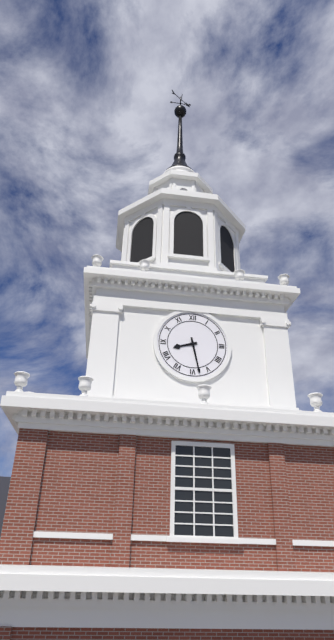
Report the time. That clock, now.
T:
8:28
